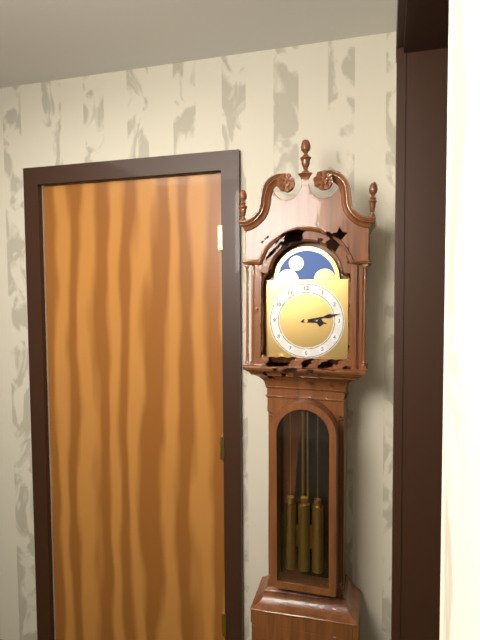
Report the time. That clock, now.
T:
3:13
